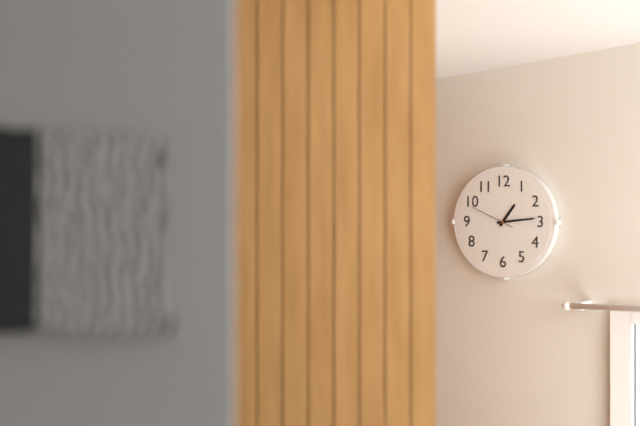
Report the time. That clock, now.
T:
1:14
